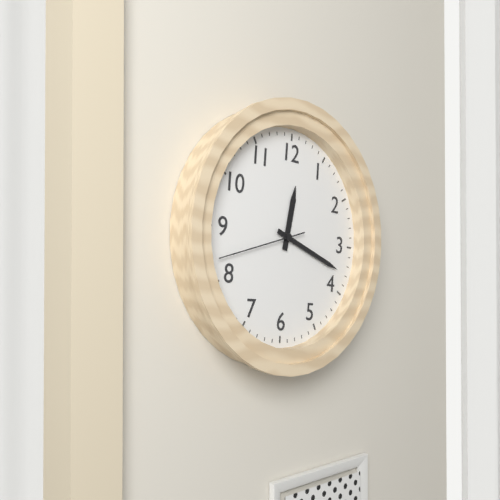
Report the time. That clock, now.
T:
12:18:42
